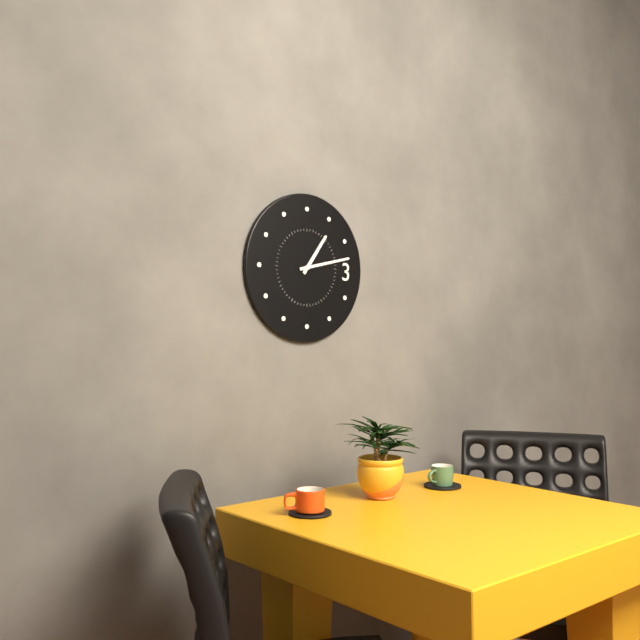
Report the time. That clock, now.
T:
1:13
